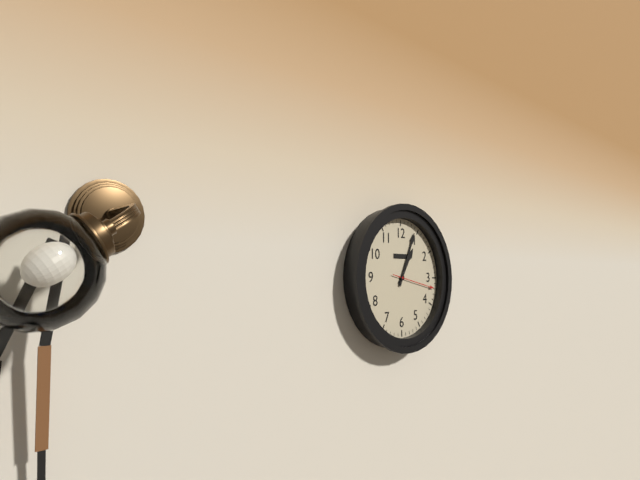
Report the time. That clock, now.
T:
1:04
